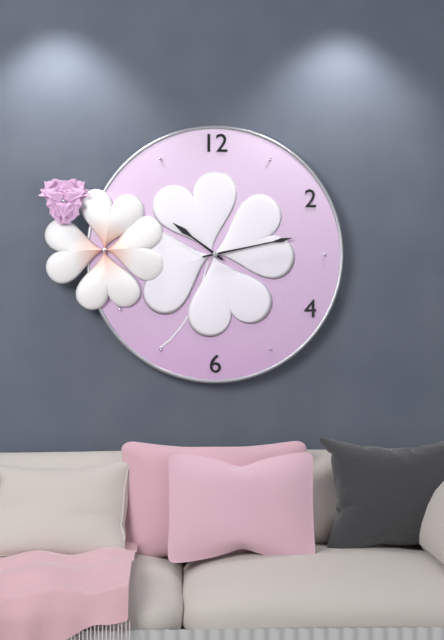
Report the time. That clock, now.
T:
10:13
